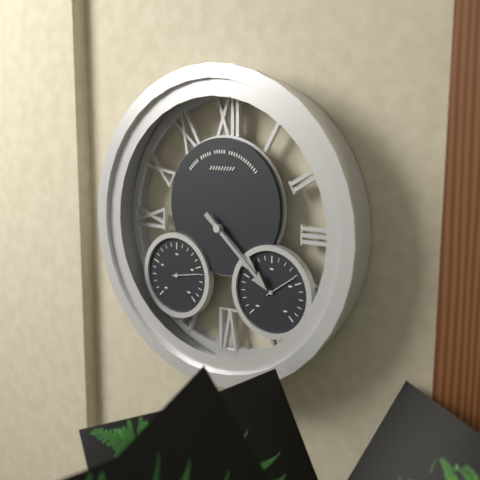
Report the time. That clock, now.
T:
4:22
